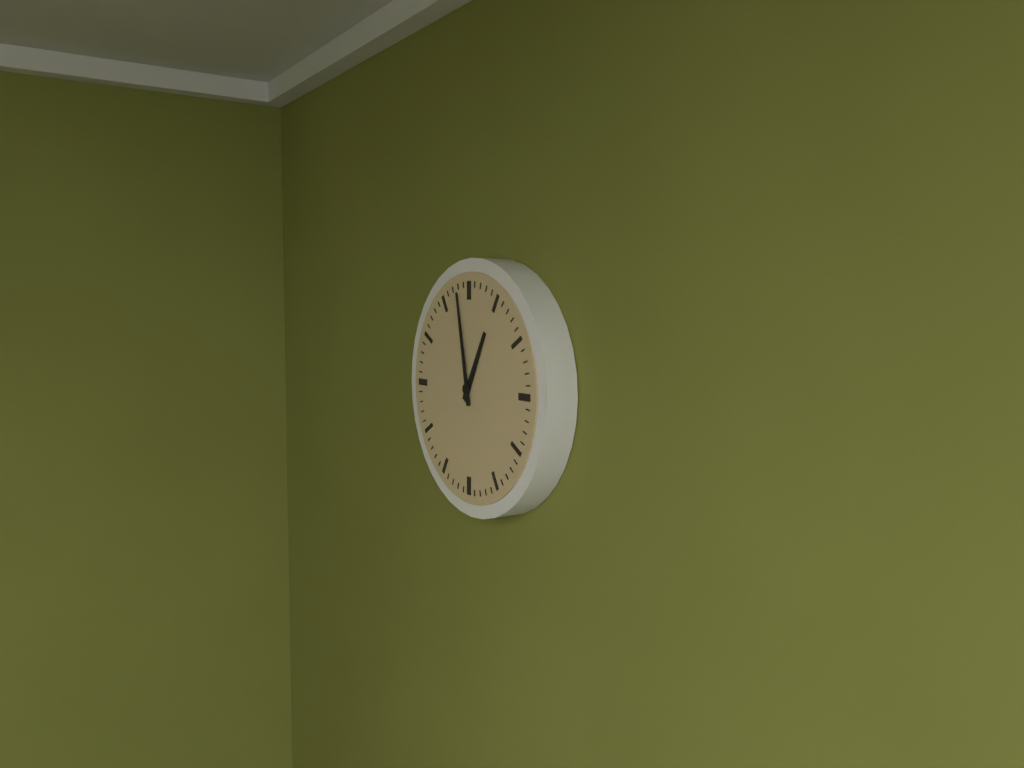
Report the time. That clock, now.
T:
12:58
